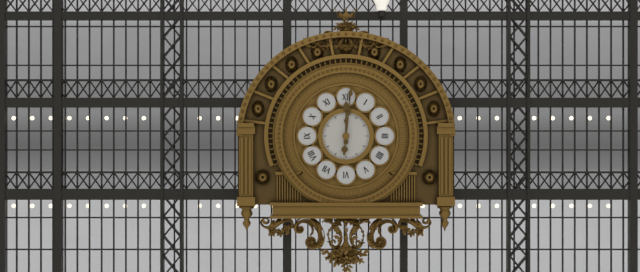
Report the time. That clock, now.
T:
12:01
